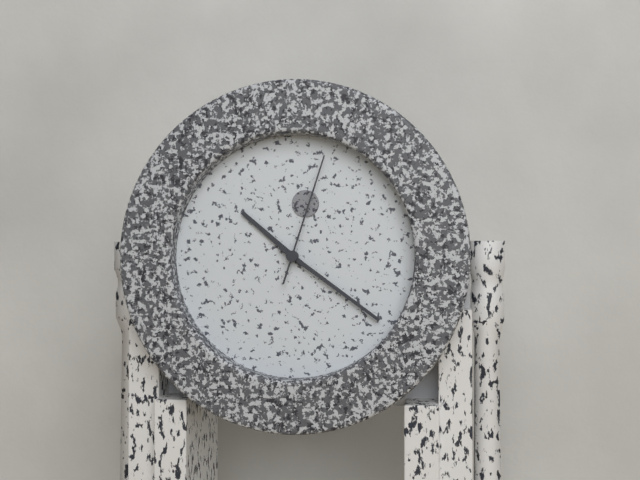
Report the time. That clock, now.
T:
10:21:03
